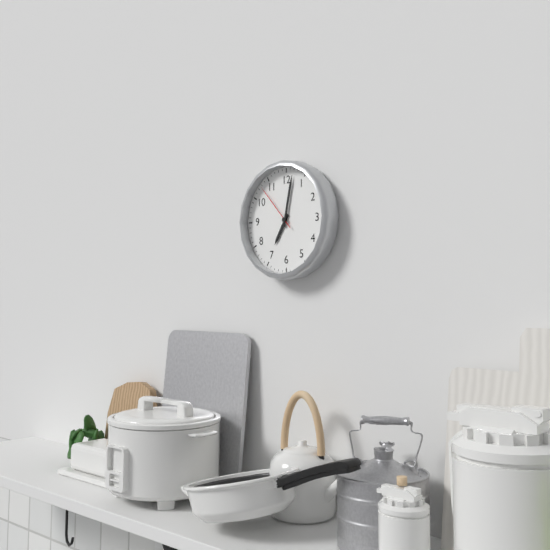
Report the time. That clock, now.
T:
7:02:53
